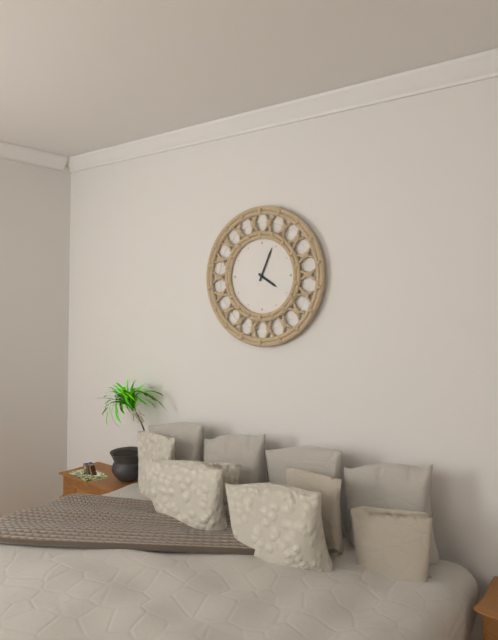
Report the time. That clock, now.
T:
4:04
